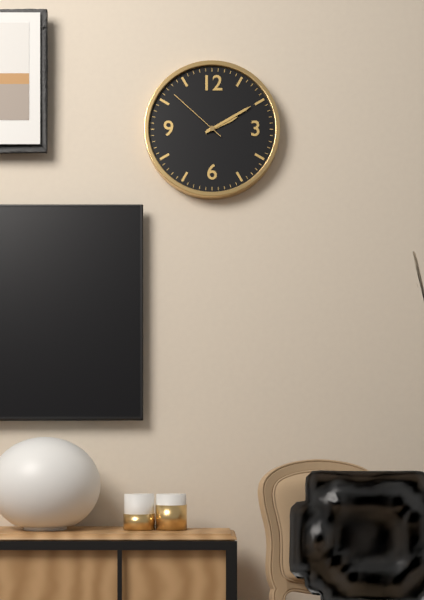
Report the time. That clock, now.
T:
2:10:52
